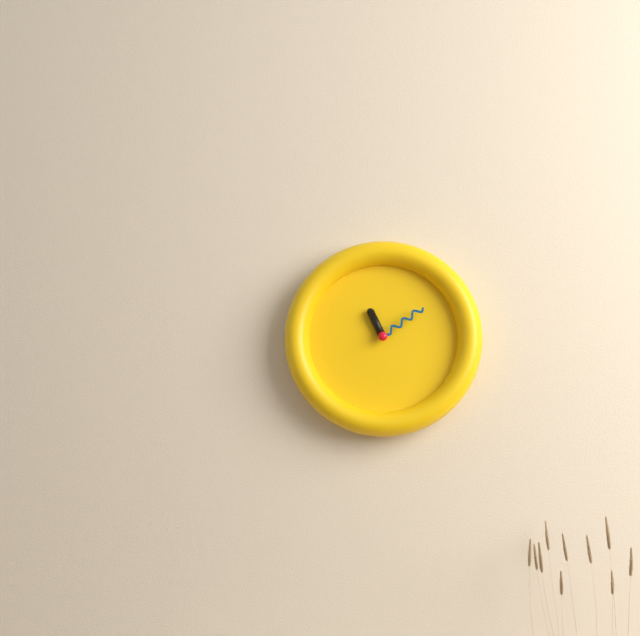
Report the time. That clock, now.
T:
11:09
